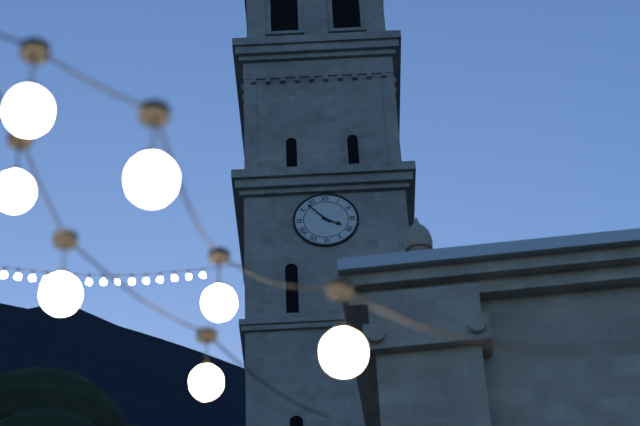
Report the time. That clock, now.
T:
3:53
